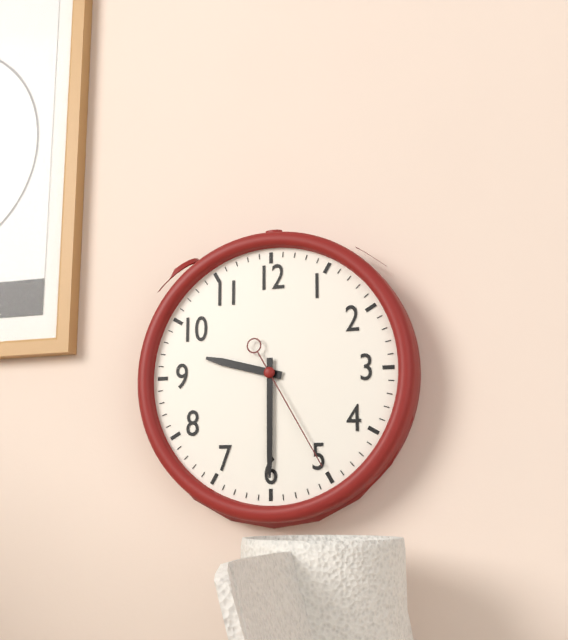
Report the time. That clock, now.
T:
9:30:25
